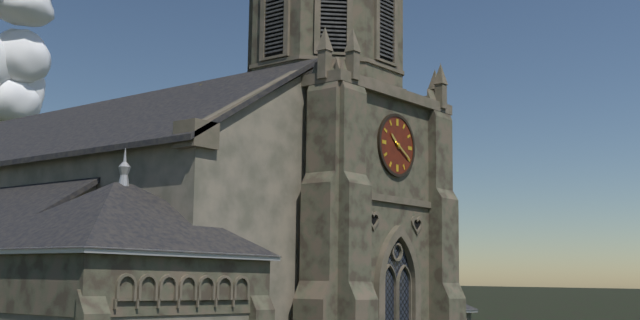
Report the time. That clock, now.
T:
10:20
